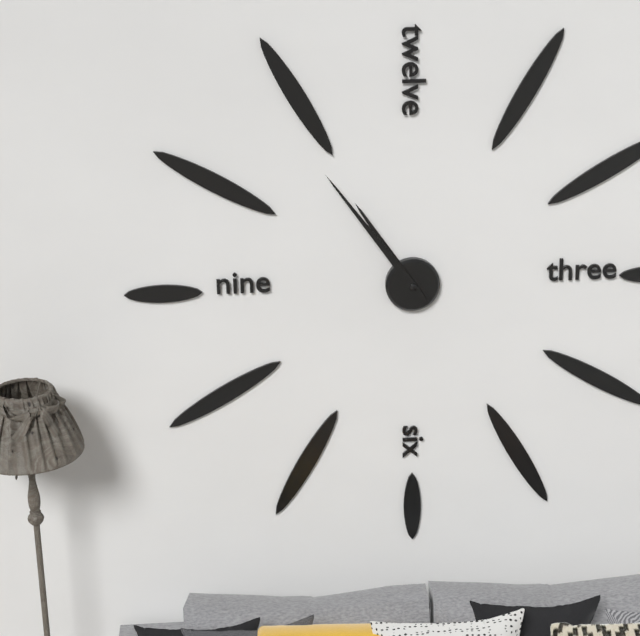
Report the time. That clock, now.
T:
10:54
